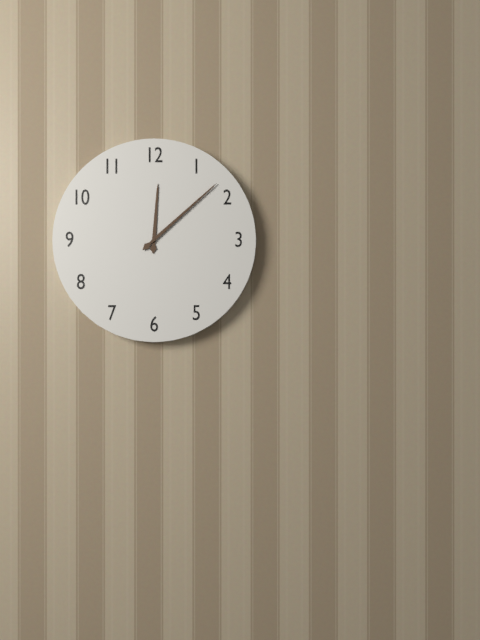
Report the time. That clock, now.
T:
12:08
